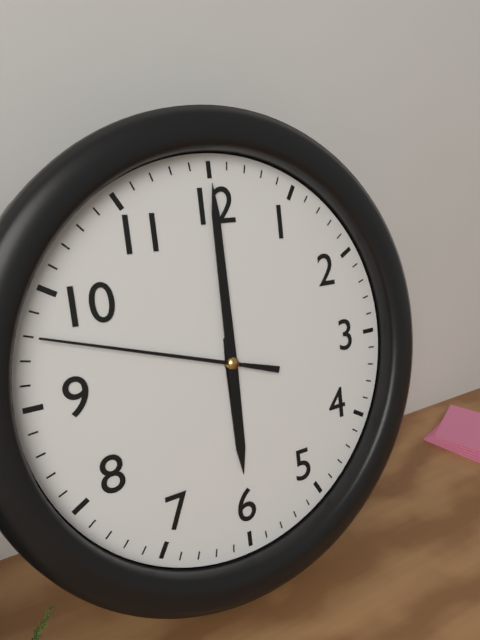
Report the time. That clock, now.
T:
6:00:48
